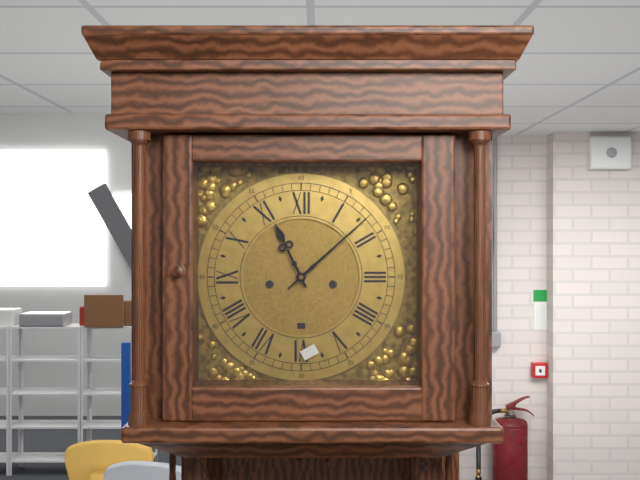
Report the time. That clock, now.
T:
11:08
